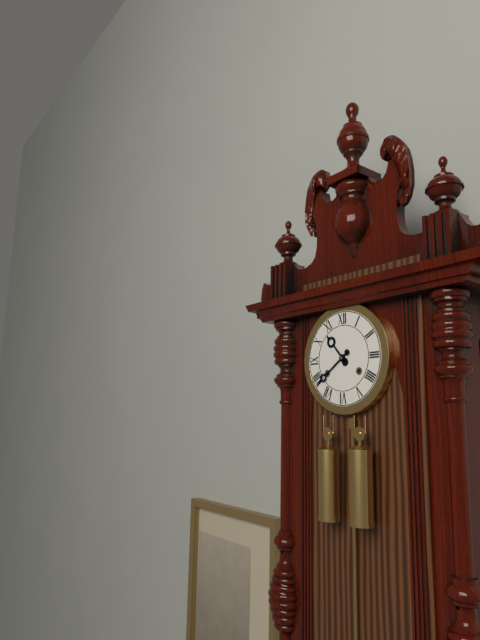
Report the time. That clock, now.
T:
10:39
